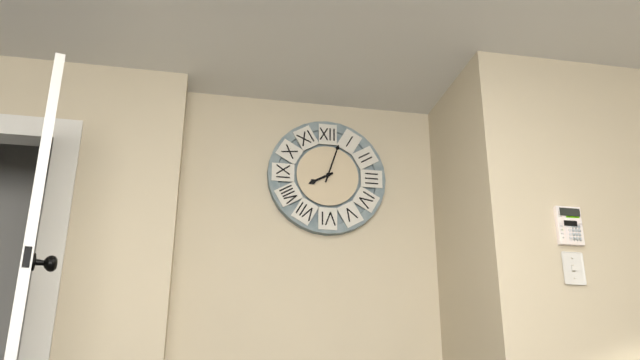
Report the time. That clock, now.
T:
8:03
